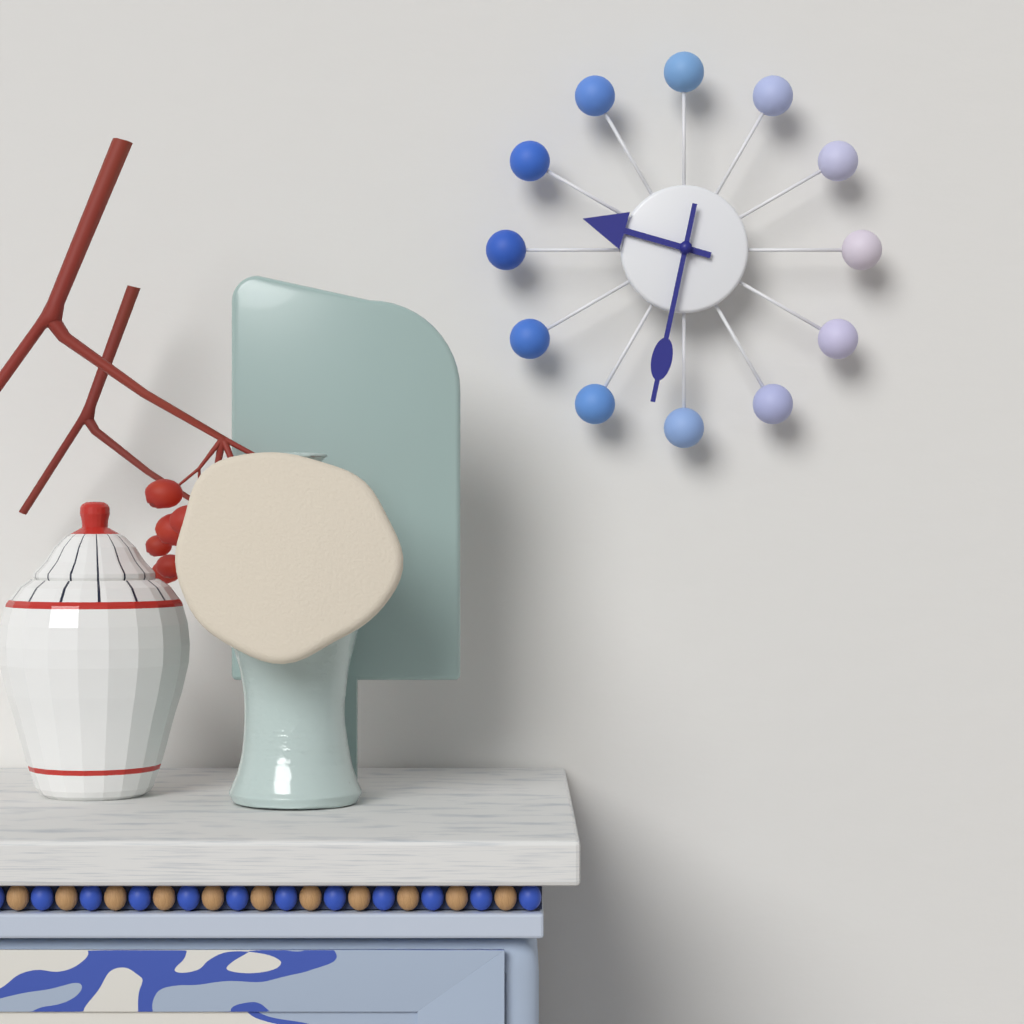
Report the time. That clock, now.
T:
9:32
